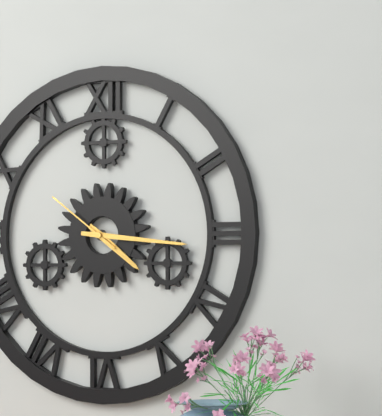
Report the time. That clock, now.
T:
4:16:51
